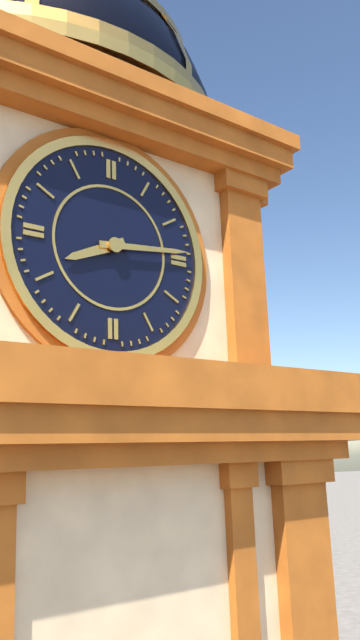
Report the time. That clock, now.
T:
8:14
